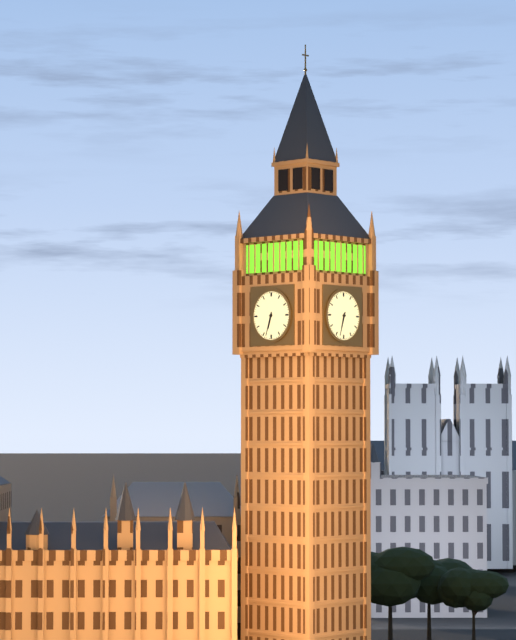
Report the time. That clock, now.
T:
6:33
